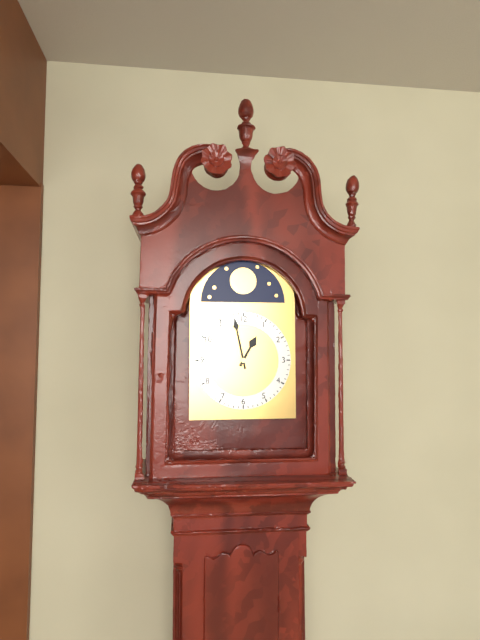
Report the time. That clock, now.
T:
12:58
